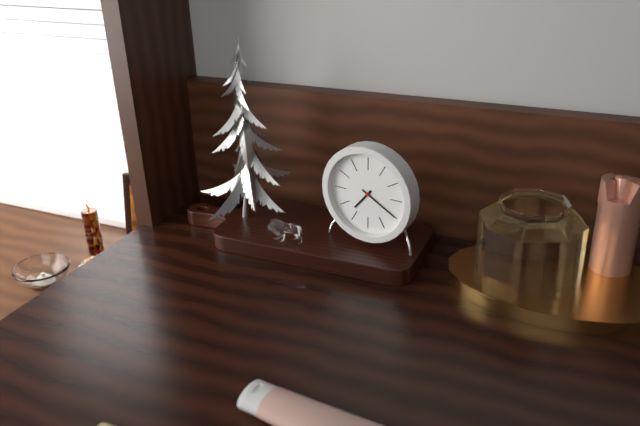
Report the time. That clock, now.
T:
7:20
